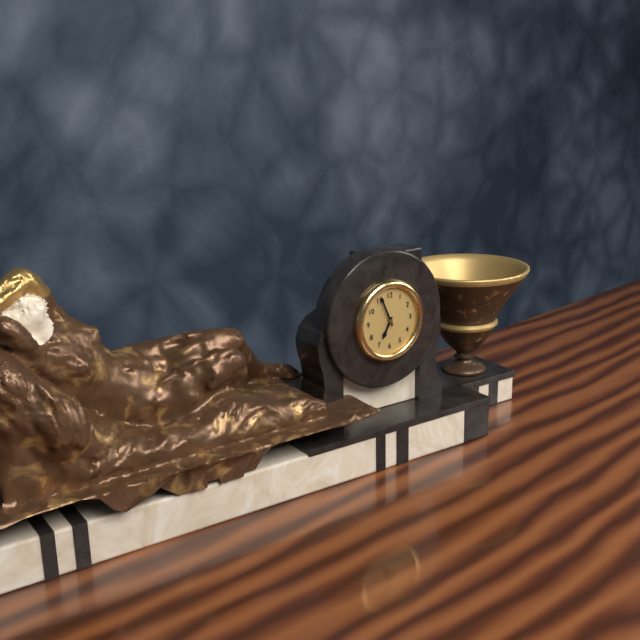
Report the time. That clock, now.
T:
6:56
